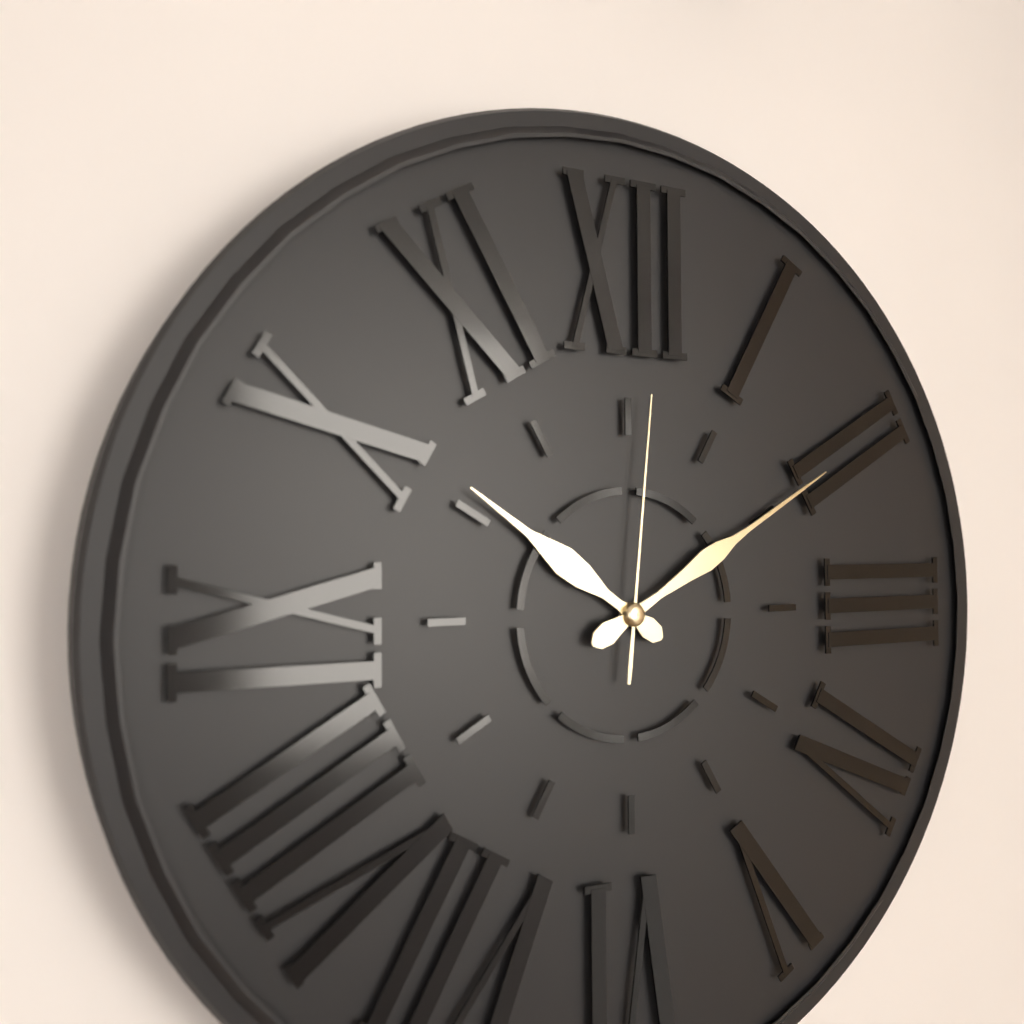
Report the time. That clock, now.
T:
10:10:01
